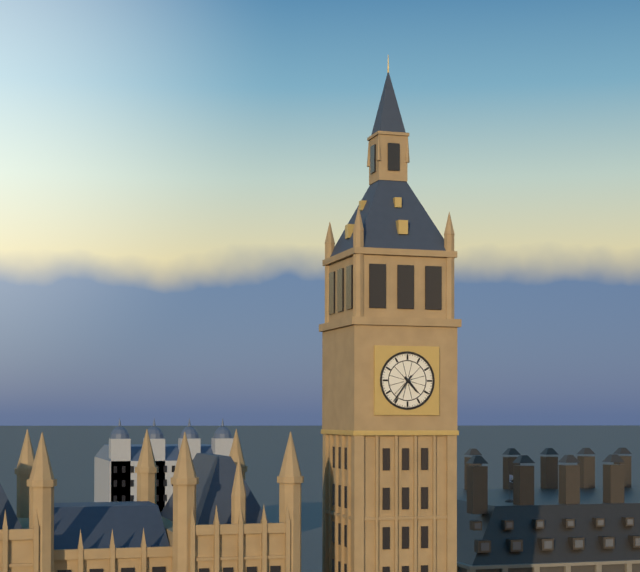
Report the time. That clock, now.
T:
4:36
